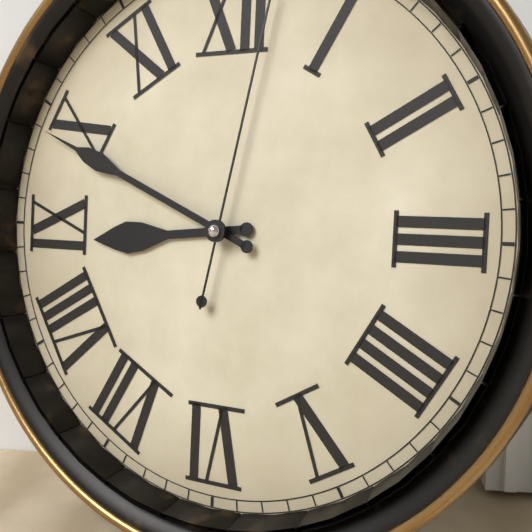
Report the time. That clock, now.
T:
8:49
